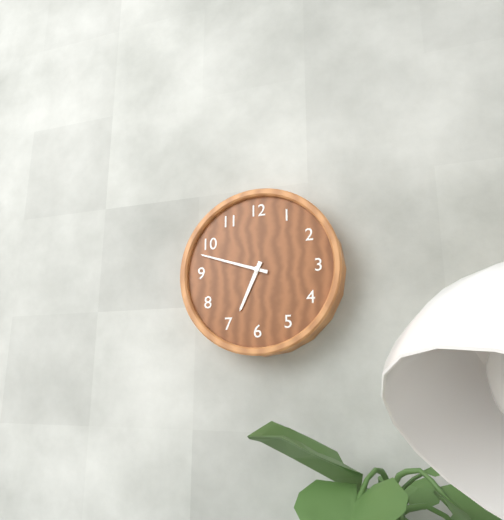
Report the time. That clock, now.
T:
6:48
